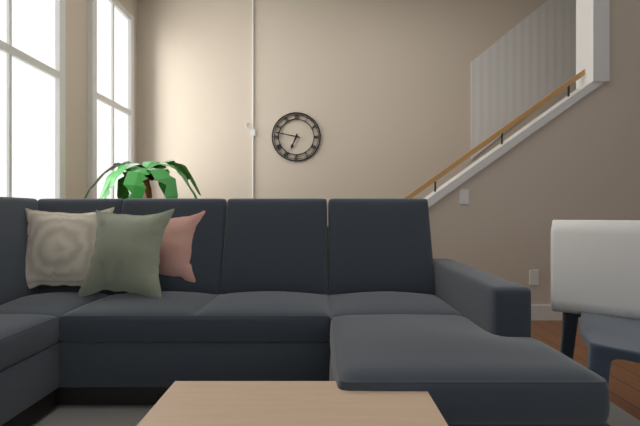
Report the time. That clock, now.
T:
6:47
